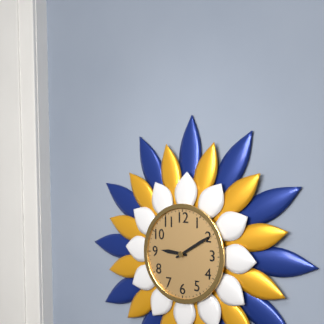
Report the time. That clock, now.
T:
9:10
